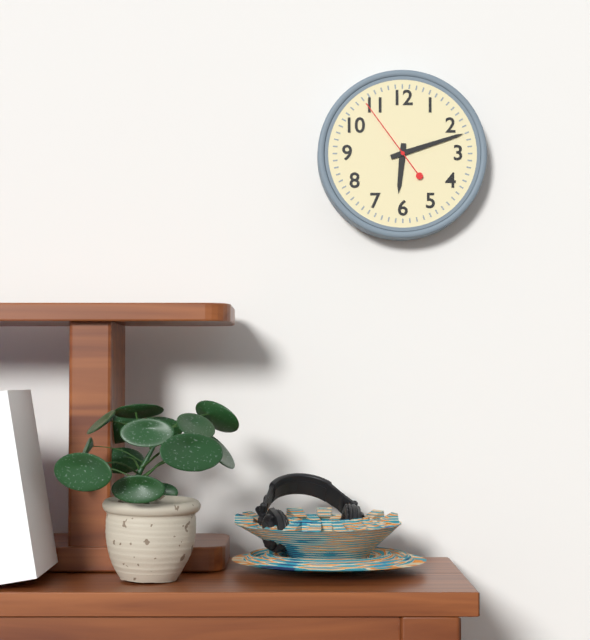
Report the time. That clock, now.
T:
6:12:54
